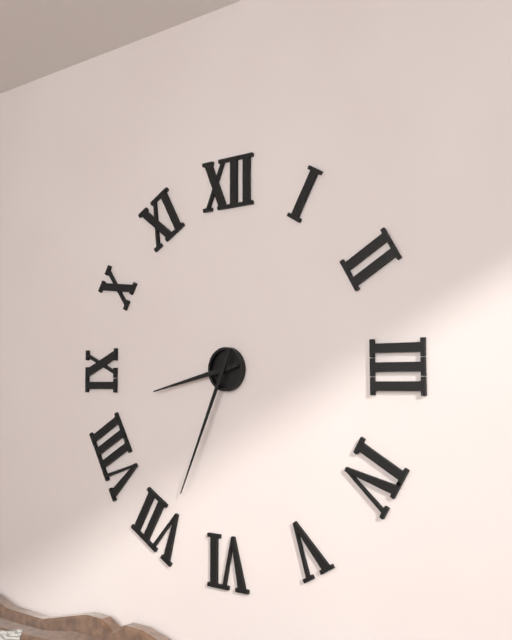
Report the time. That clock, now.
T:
8:34
